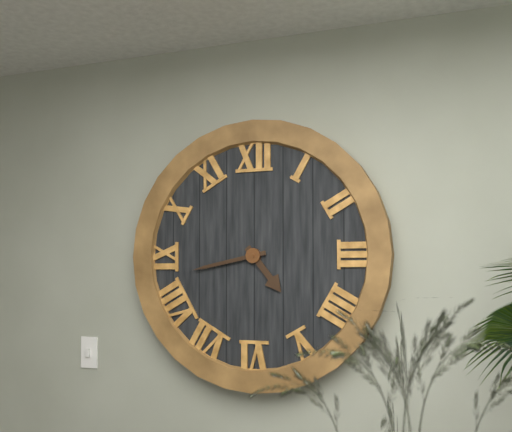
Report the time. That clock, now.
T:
4:43
